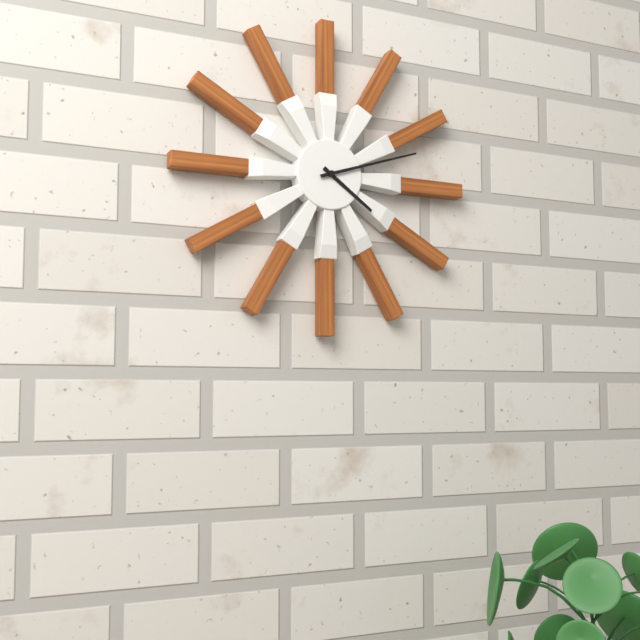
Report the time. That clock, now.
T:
4:12
